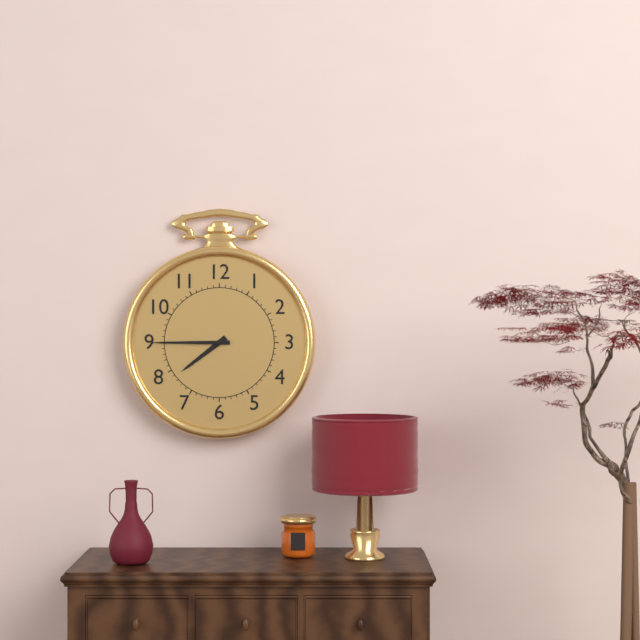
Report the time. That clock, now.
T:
7:45
